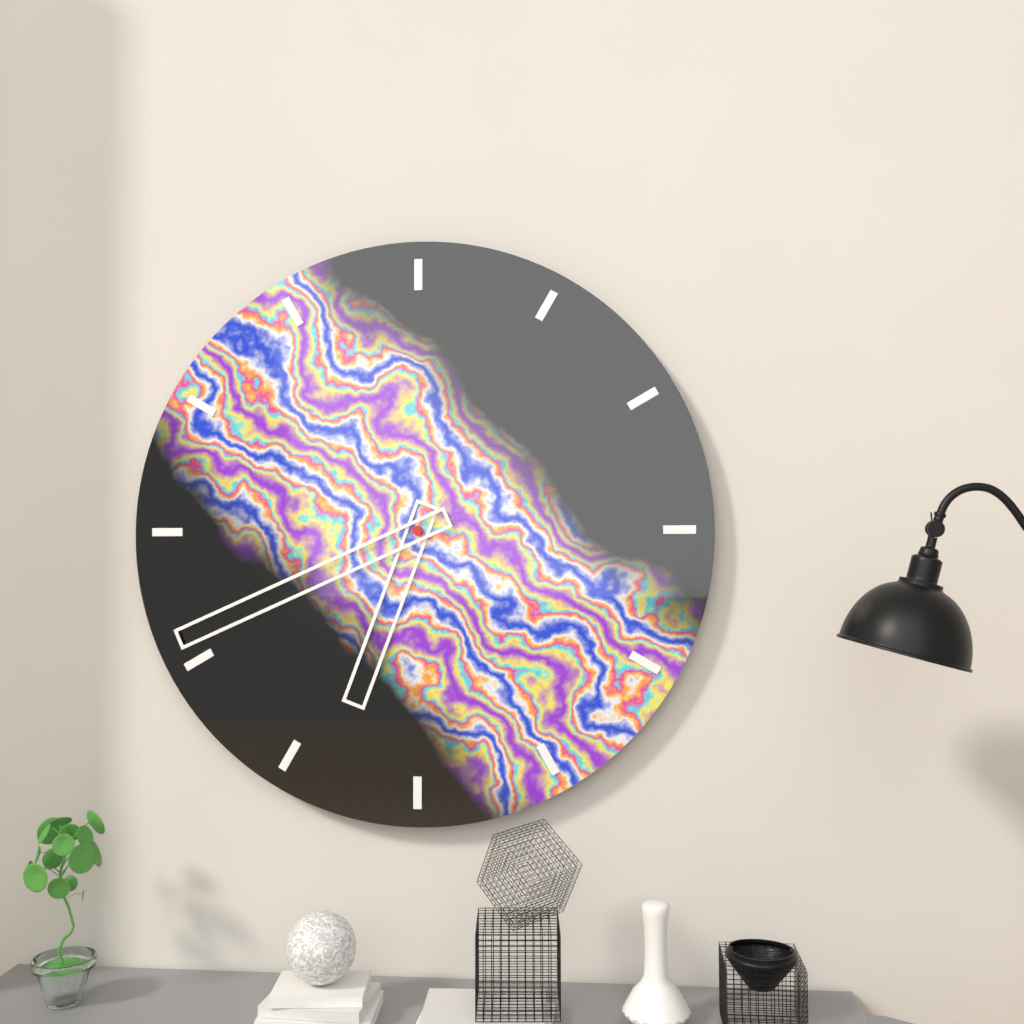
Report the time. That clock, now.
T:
6:41
